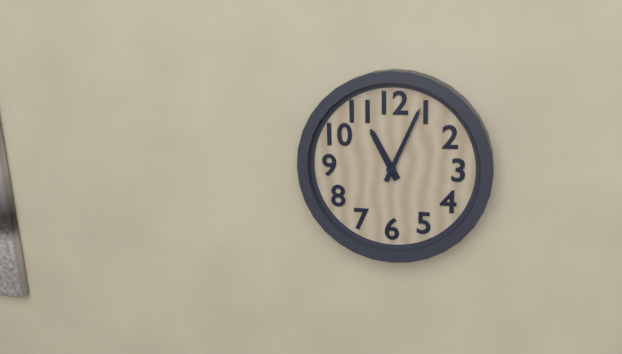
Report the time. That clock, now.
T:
11:04
